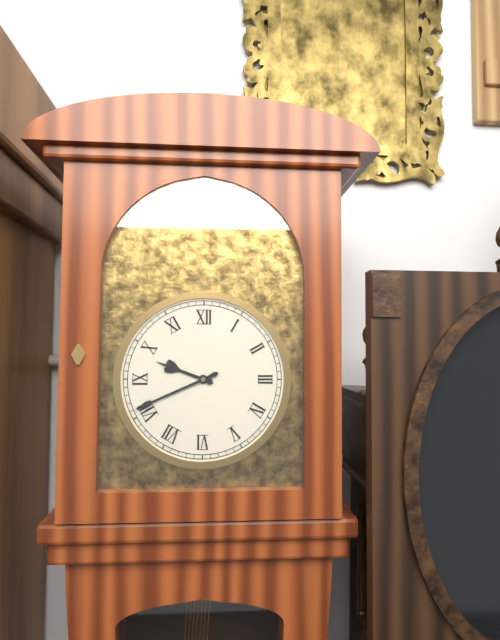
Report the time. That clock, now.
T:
9:41
